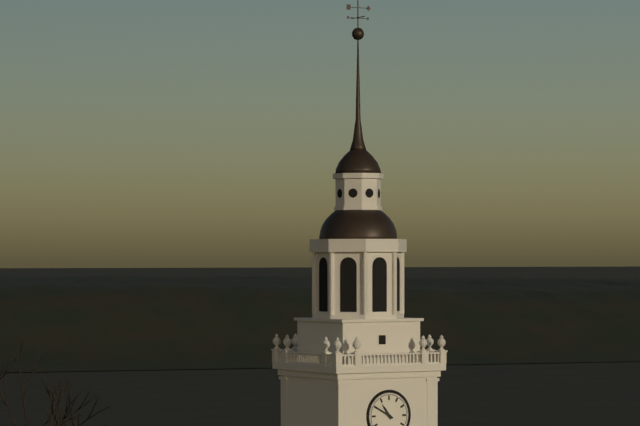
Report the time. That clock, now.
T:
10:50
